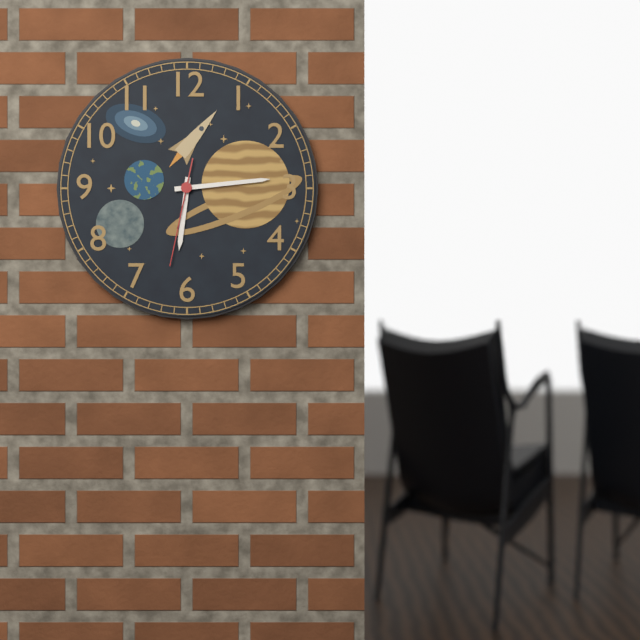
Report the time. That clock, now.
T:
6:14:32
